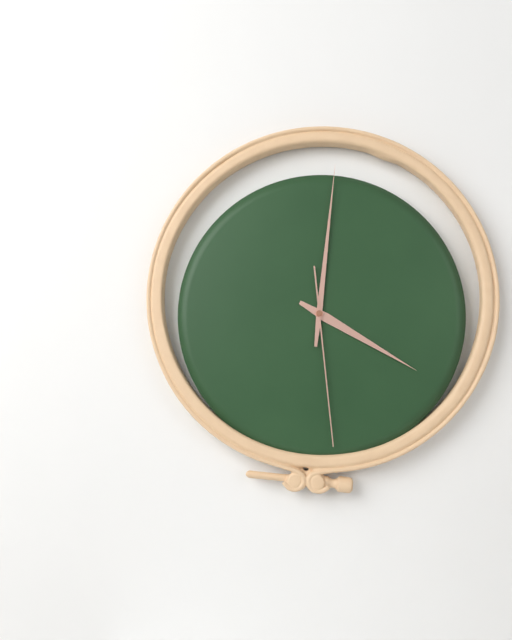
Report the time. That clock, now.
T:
4:01:29
